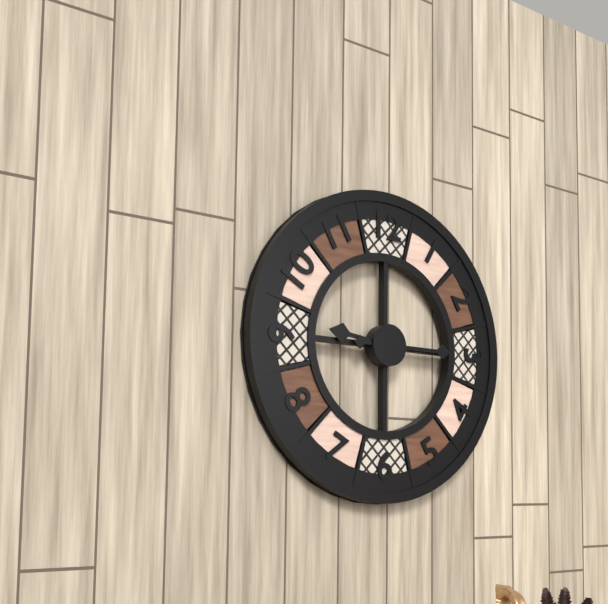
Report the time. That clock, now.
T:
9:15
